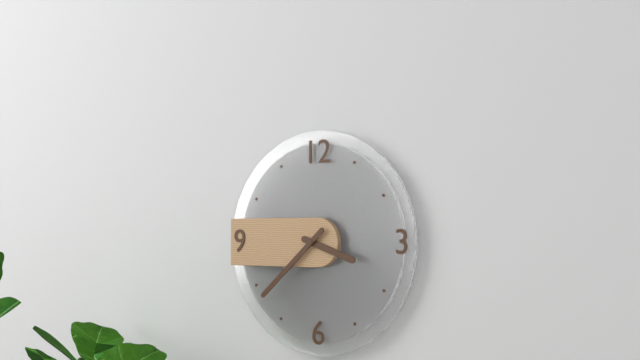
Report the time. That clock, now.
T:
3:38
